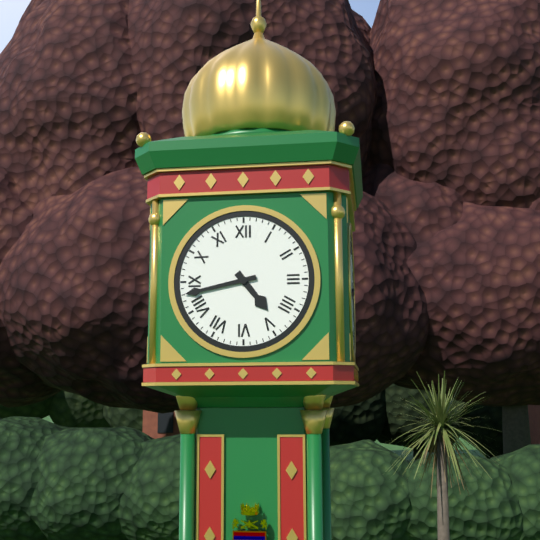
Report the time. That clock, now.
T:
4:43
